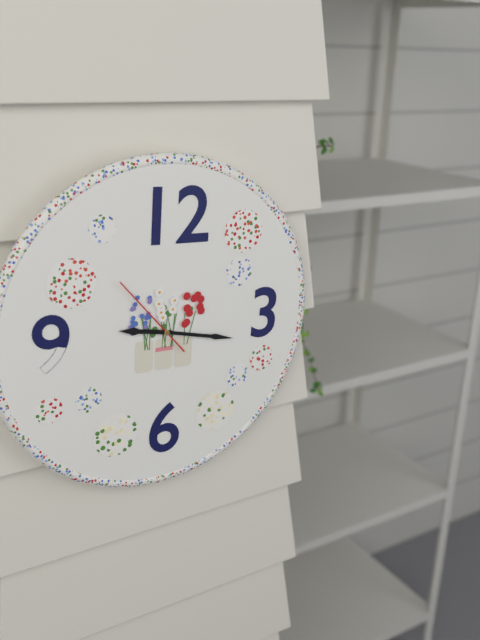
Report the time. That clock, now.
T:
9:17:53
